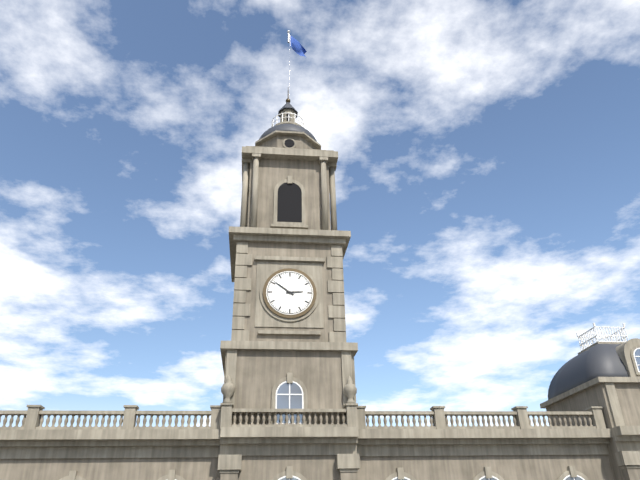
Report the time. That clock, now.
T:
2:51
